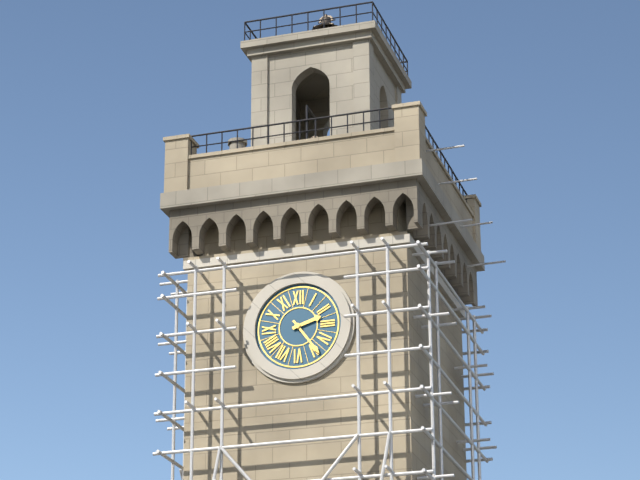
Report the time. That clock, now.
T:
2:24
